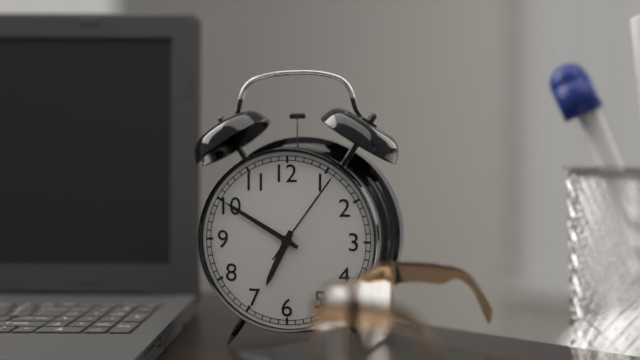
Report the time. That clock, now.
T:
6:50:06
